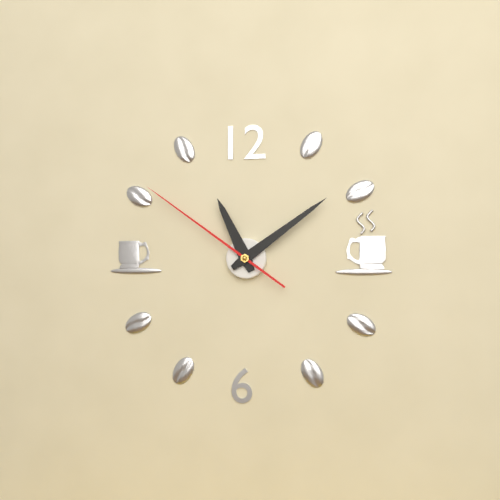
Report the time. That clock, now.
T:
11:09:51
